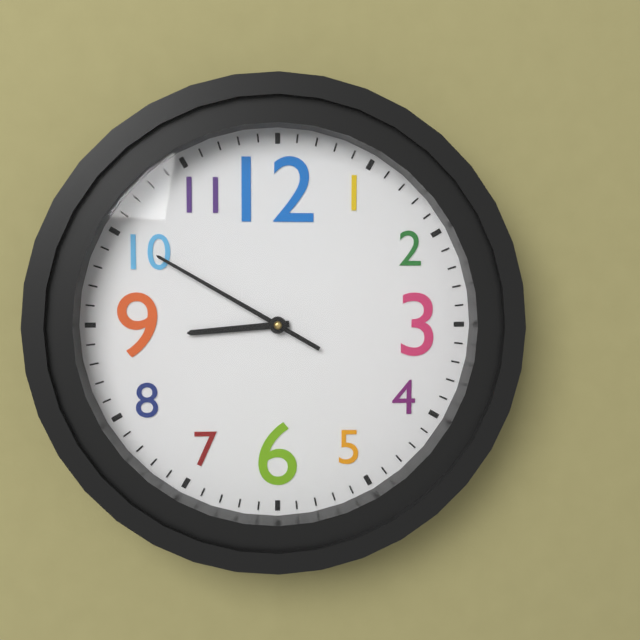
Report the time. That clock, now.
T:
8:50
